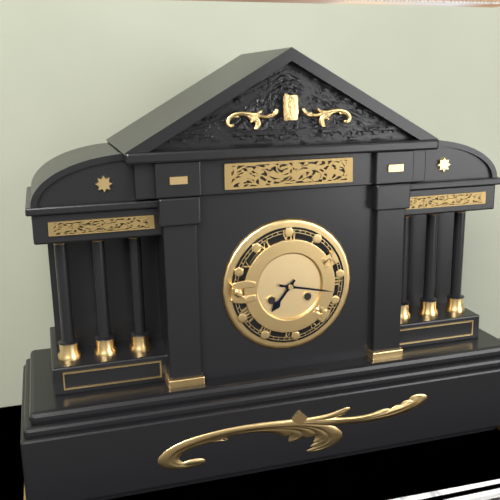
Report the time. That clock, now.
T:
7:17
